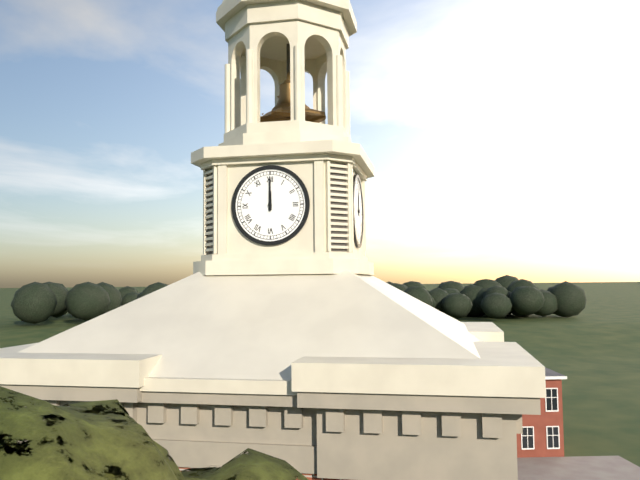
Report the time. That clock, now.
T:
12:00
